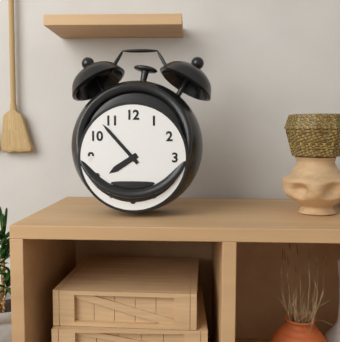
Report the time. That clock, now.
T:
7:53
